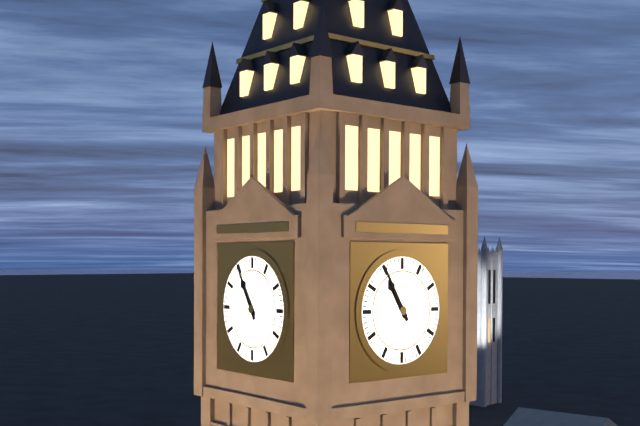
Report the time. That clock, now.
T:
10:55
